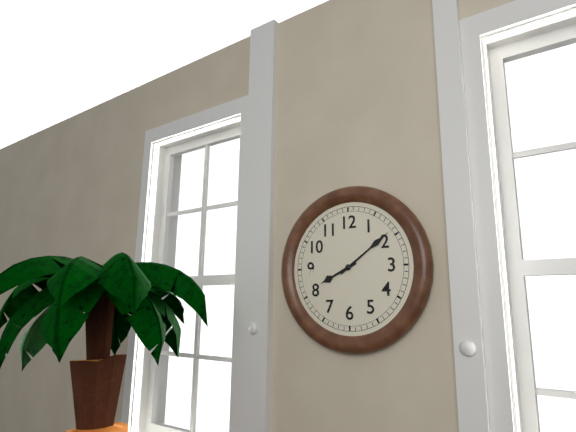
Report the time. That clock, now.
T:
8:09
